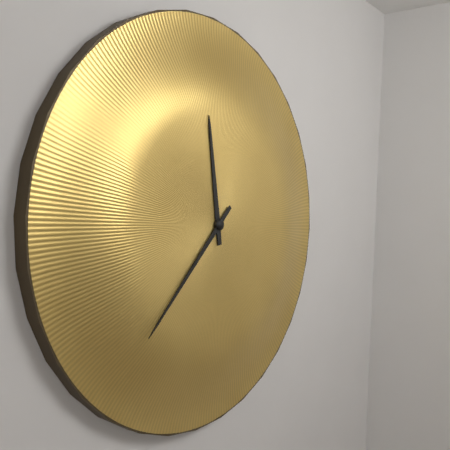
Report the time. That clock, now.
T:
11:37
